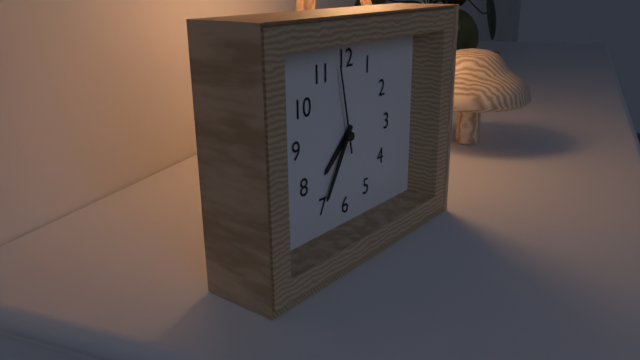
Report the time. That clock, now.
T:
7:35:58
